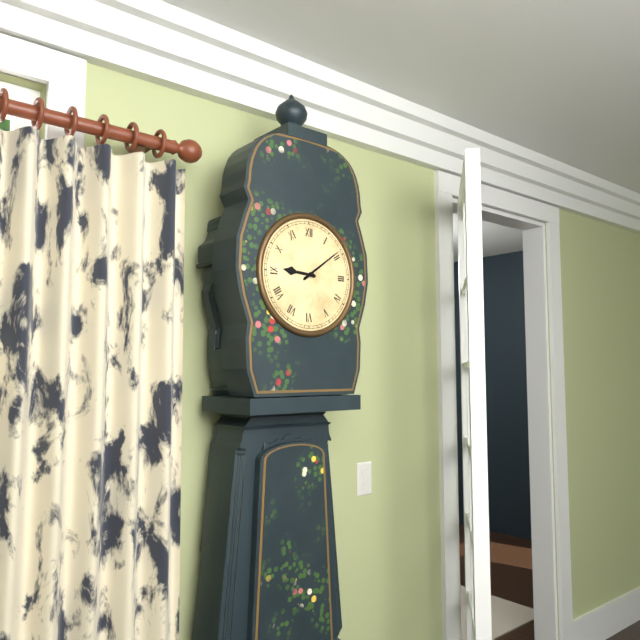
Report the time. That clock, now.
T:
9:09
